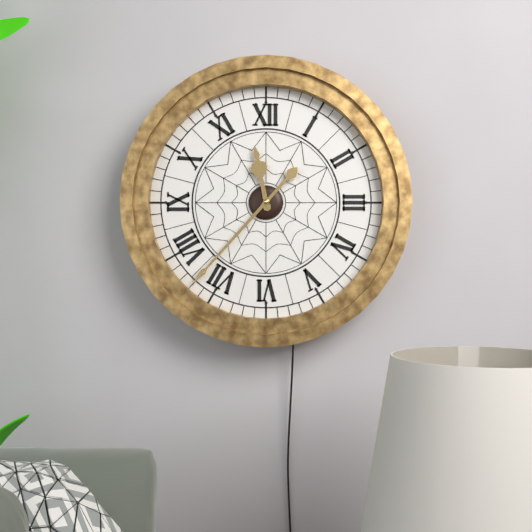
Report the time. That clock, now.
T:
11:37
